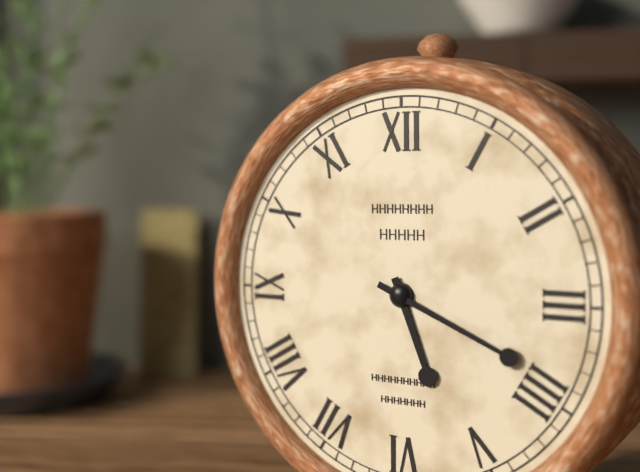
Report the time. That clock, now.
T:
5:19
